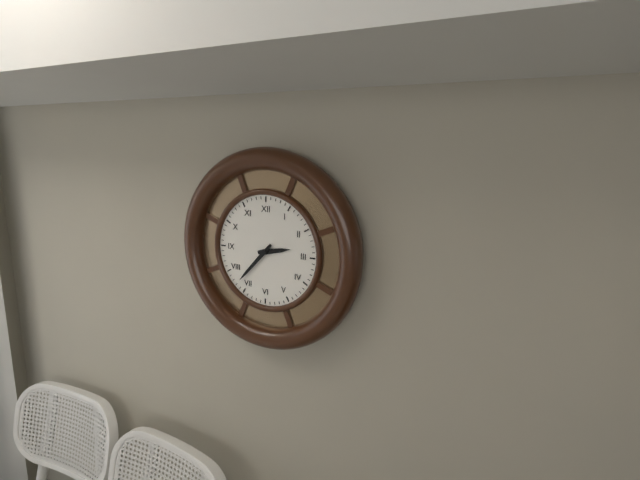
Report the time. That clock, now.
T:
2:37
